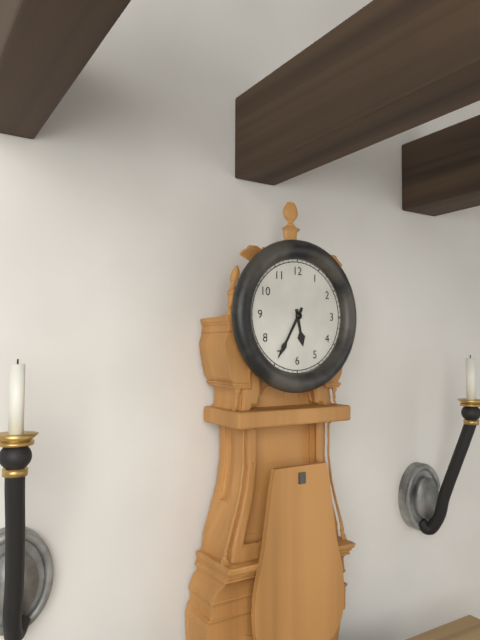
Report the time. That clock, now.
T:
5:35
